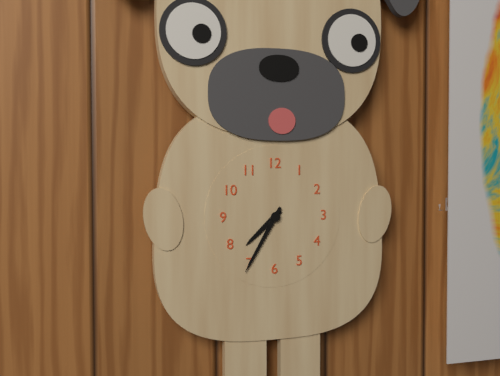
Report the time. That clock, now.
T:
7:35
